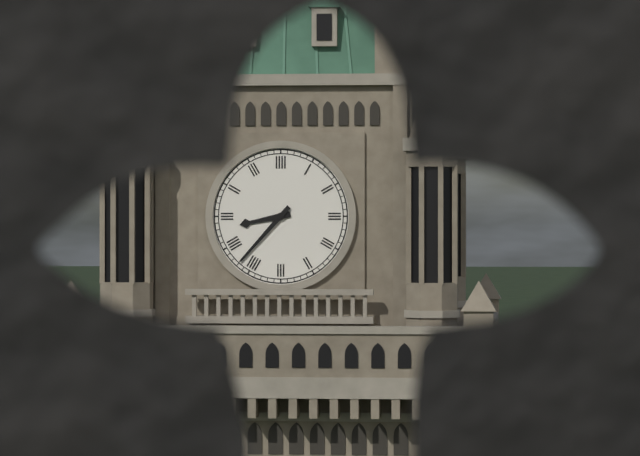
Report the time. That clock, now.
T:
8:37
